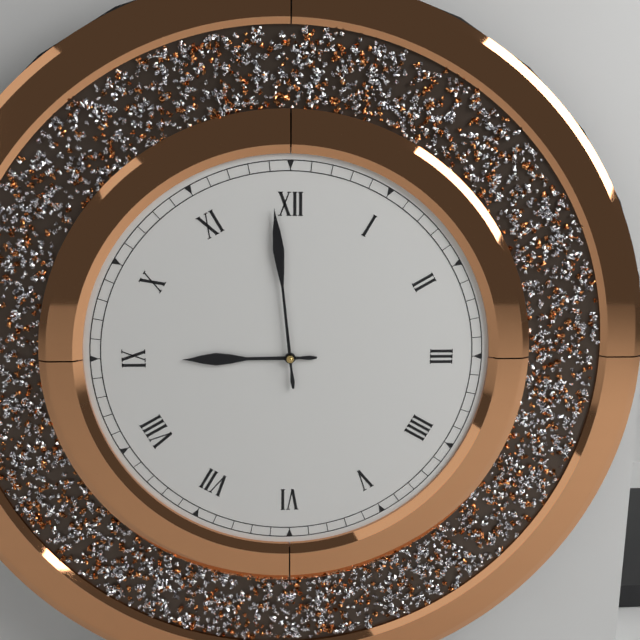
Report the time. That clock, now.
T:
8:59
